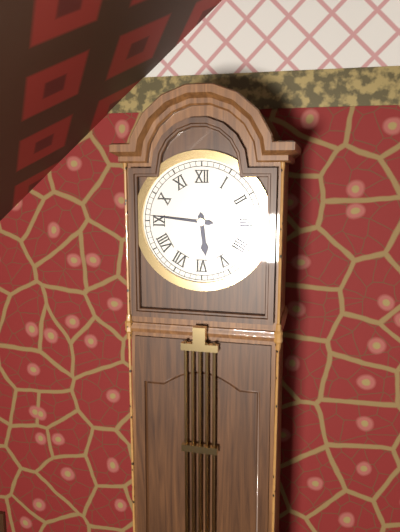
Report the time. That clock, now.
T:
5:46
